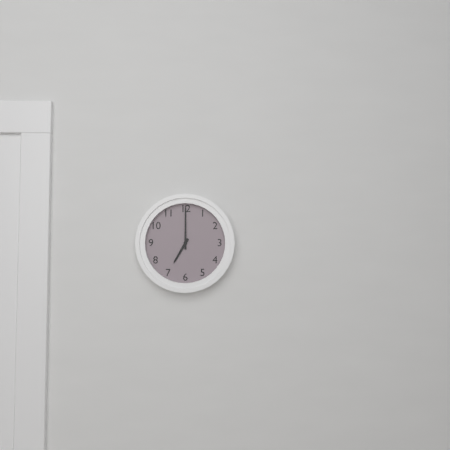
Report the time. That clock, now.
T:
7:00
